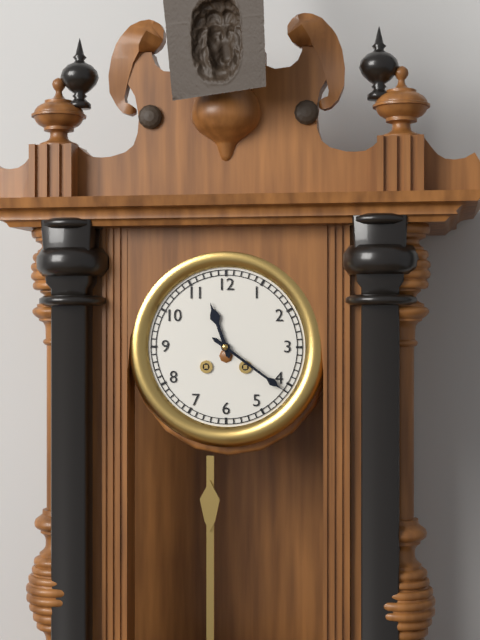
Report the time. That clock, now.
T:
11:21
